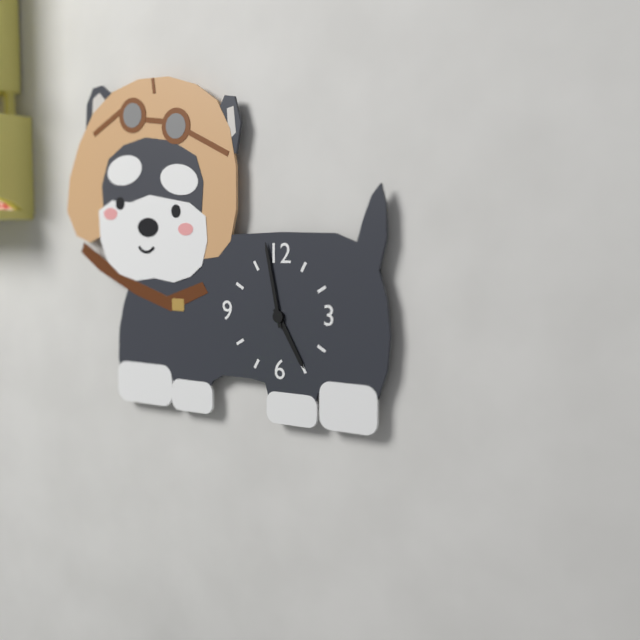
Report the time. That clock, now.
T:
4:58
